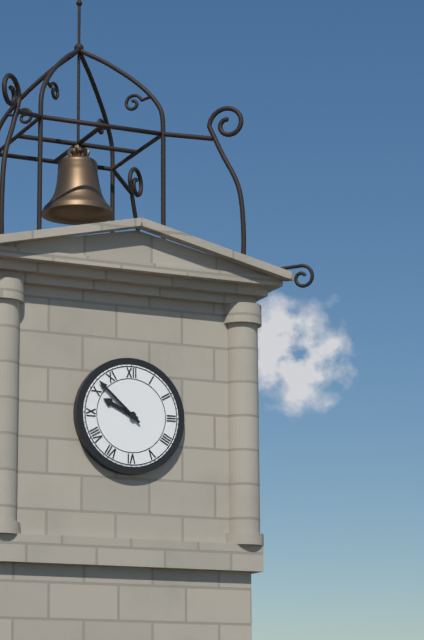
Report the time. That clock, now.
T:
9:52
